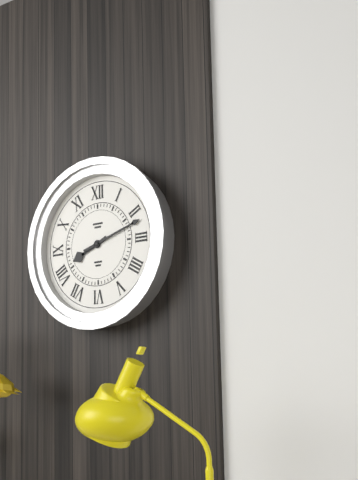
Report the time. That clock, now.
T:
8:12
